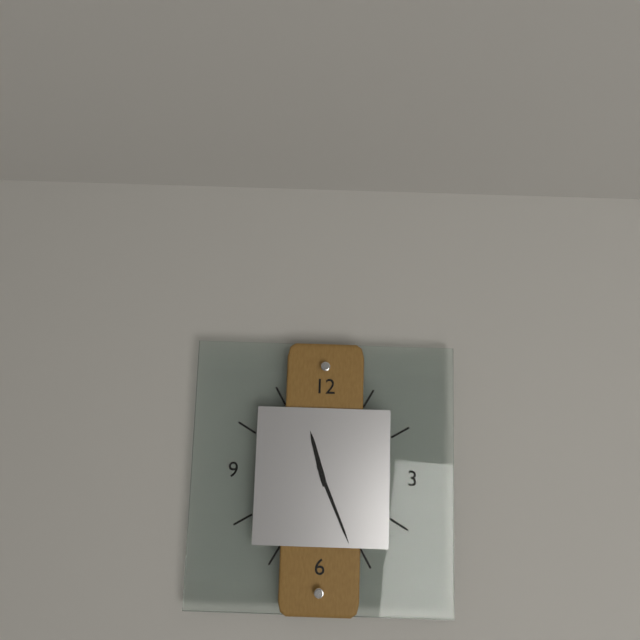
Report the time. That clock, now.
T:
11:26
